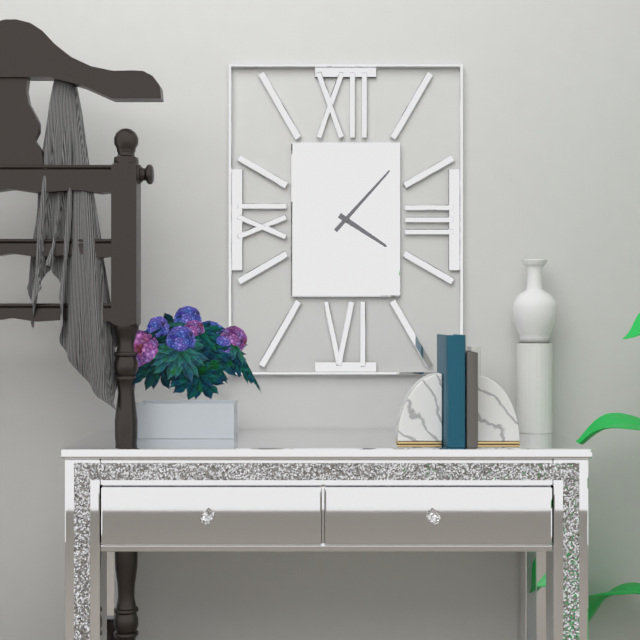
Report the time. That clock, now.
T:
4:07
